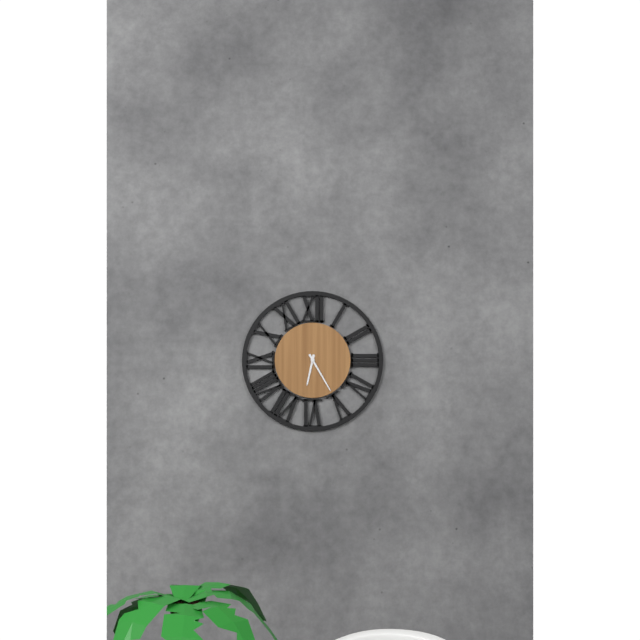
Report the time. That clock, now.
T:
6:25
